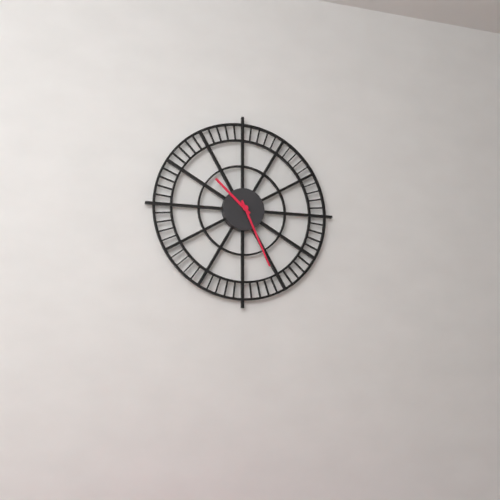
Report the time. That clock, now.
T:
10:26
